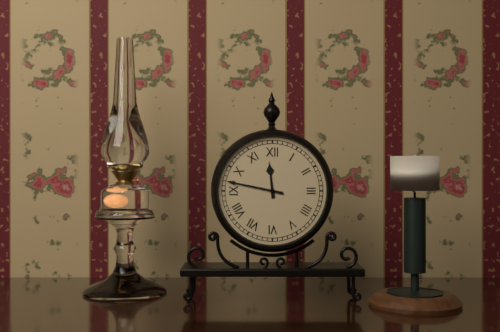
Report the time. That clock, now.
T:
11:47
